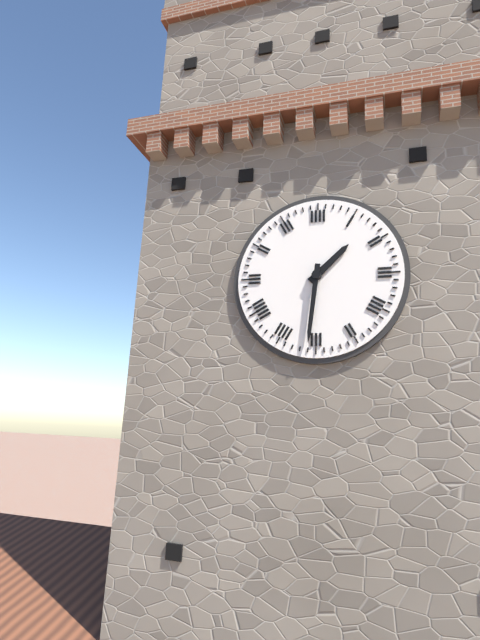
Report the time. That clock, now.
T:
1:31
